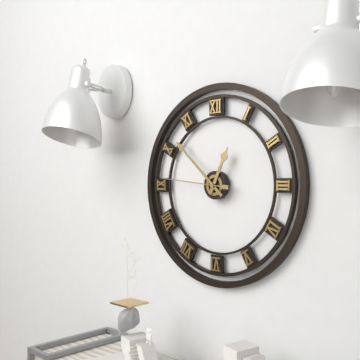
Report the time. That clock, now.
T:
12:52:46
